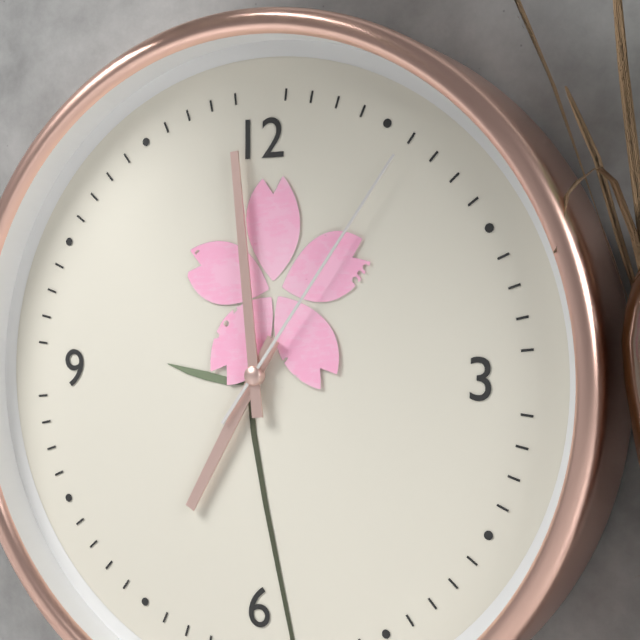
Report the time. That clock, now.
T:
6:59:06
